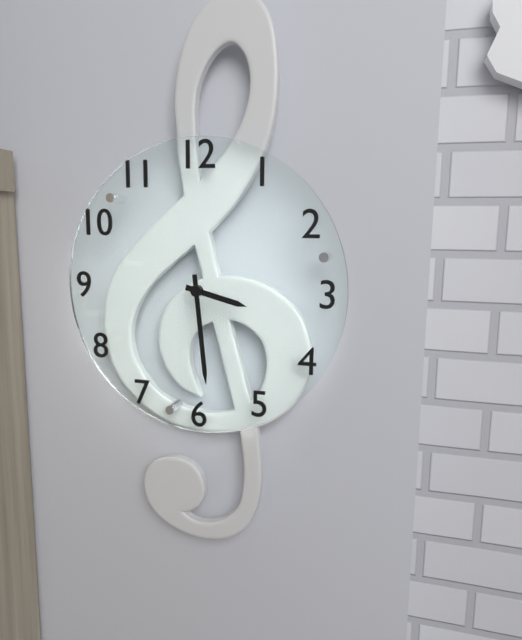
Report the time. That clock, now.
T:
3:29
